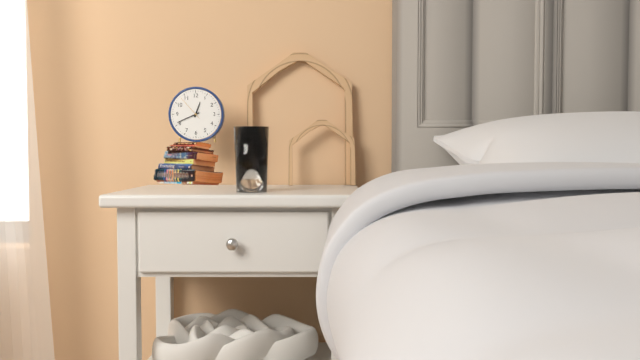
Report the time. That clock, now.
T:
12:41
